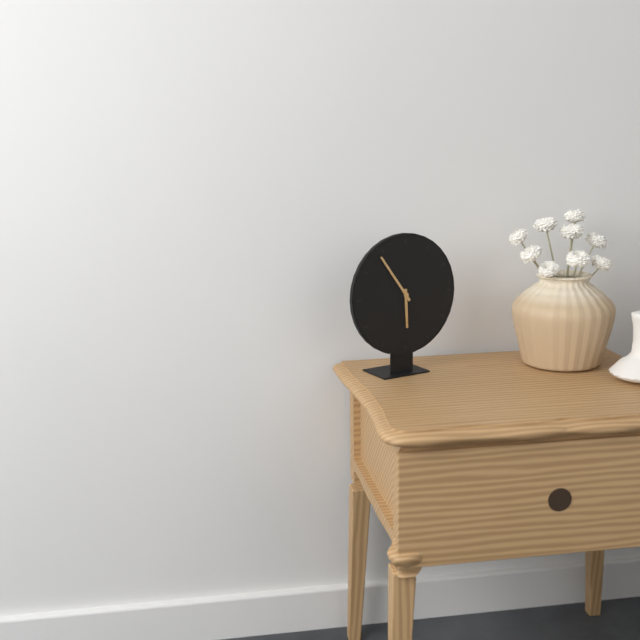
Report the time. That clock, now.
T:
5:54
